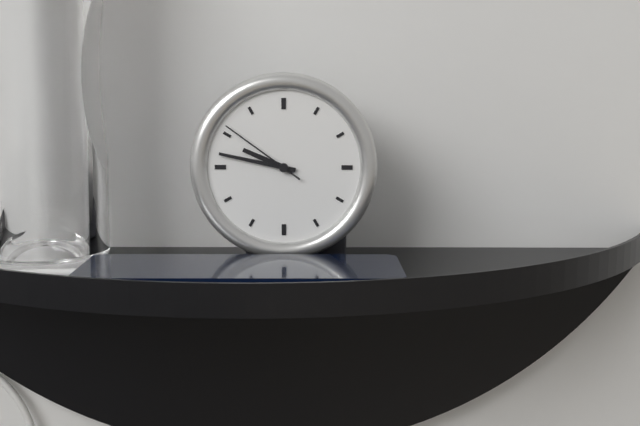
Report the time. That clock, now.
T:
9:47:51
